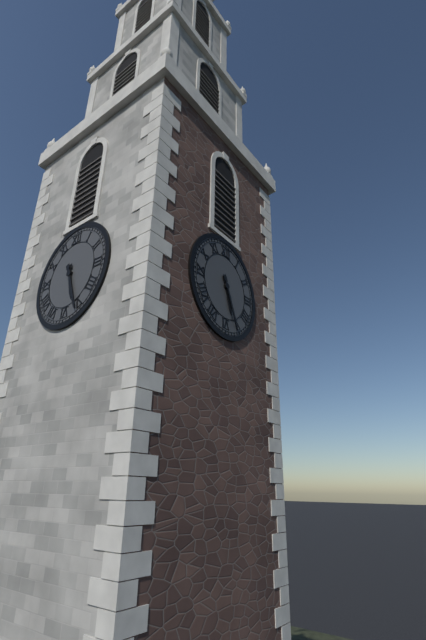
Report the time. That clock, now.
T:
5:26
